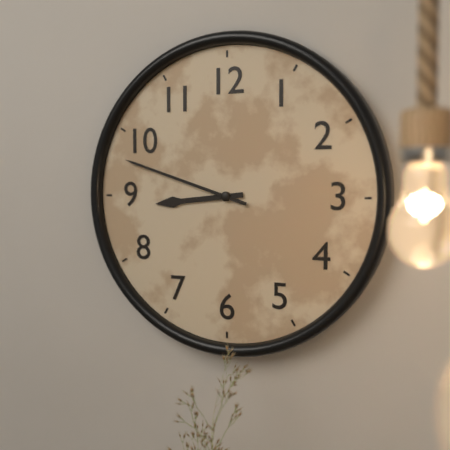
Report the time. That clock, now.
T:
8:48
